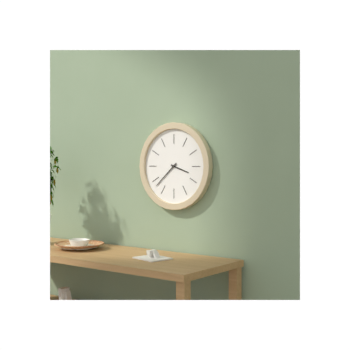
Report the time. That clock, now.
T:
3:38
